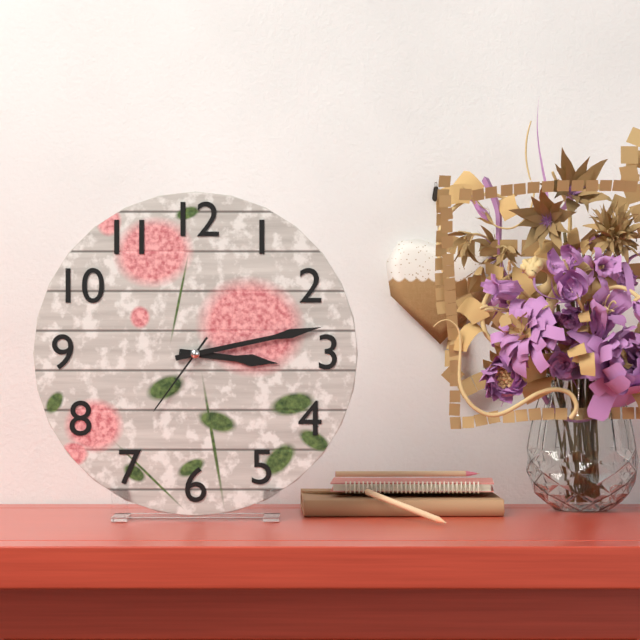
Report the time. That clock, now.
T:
3:13:36
